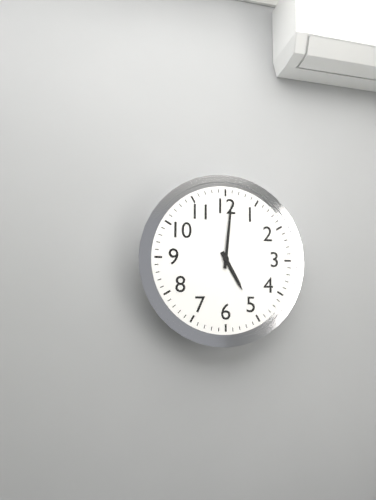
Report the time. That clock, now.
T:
5:01
